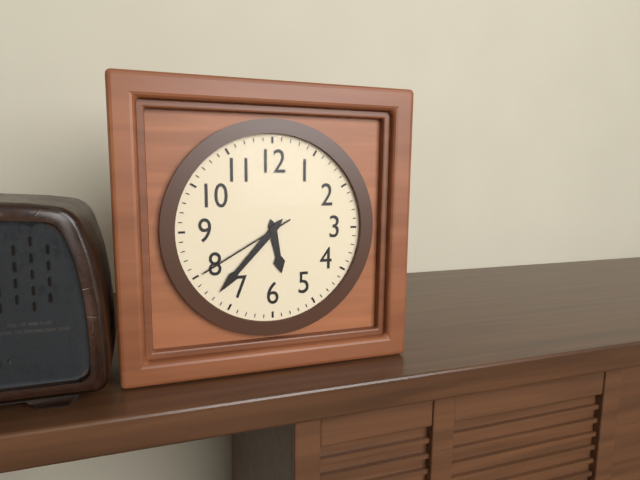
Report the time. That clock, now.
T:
5:37:40
